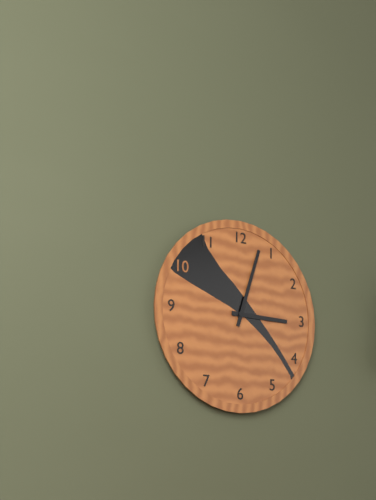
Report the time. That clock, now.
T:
3:03
